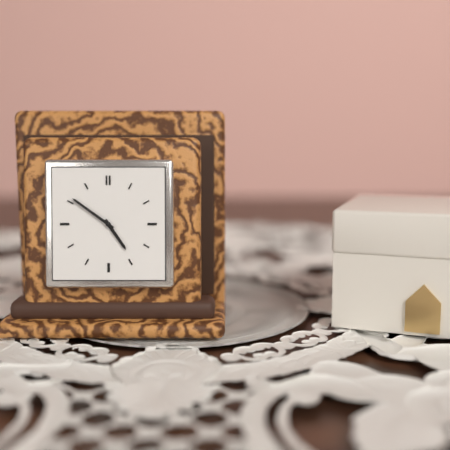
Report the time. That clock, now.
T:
4:51
